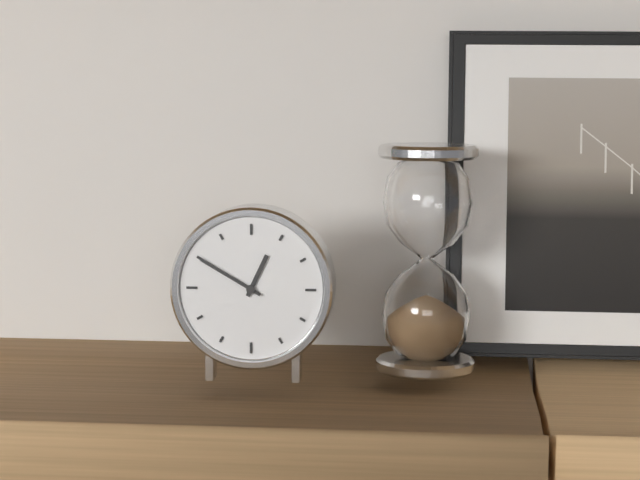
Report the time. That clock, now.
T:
12:50
